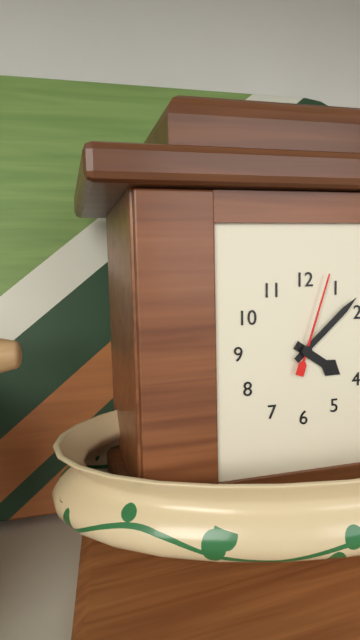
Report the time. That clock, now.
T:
4:08:03
